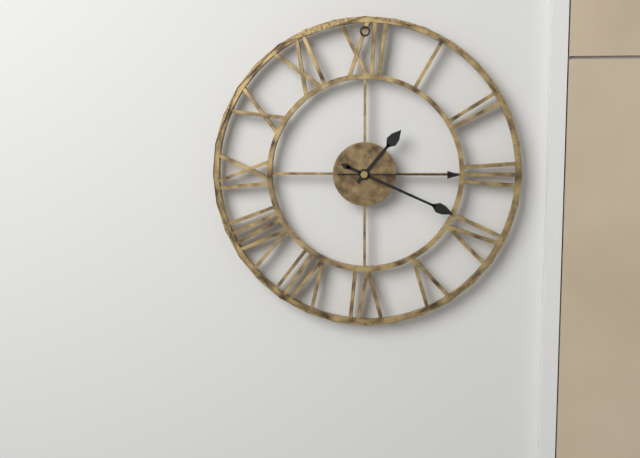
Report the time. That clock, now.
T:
1:19:15
